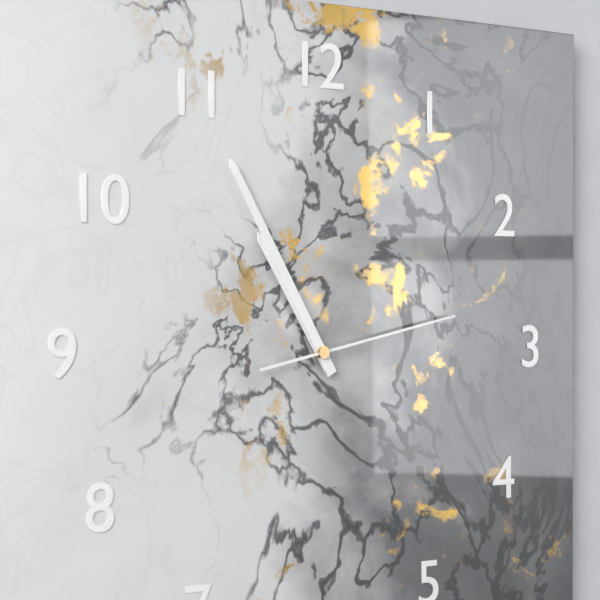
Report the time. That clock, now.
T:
10:55:13
